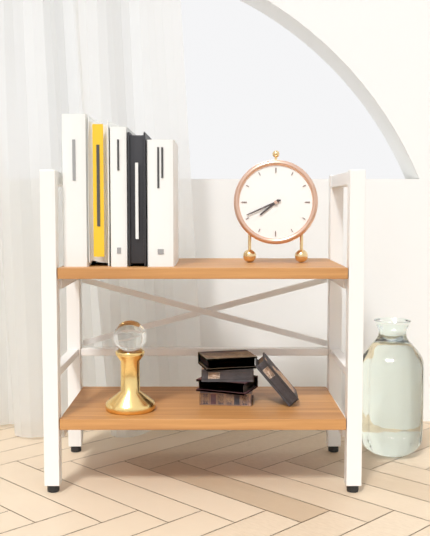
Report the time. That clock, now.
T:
7:41
